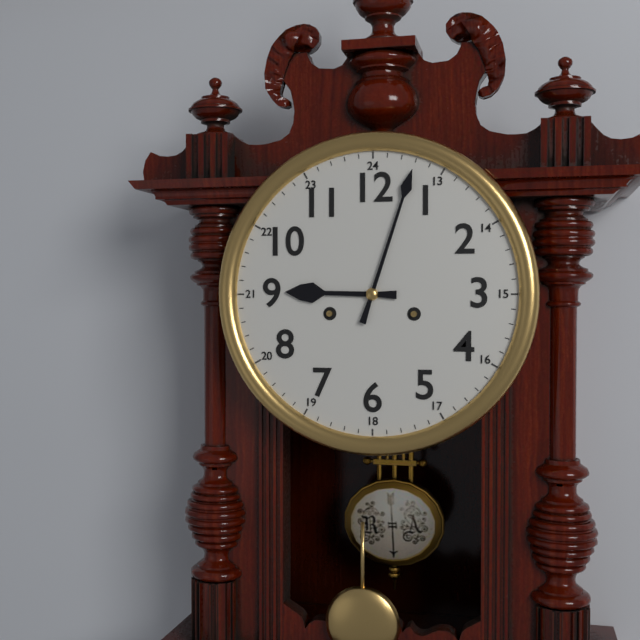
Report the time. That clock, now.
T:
9:03
